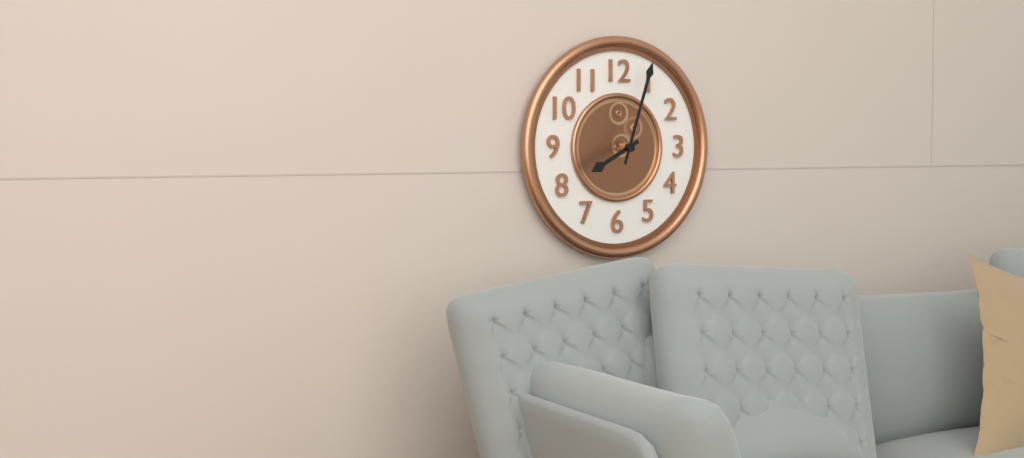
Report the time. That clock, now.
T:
8:03
